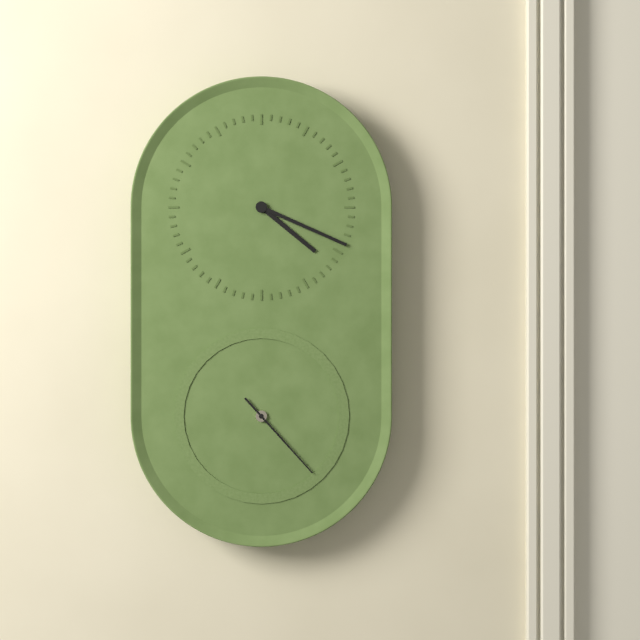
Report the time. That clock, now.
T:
4:19:23
